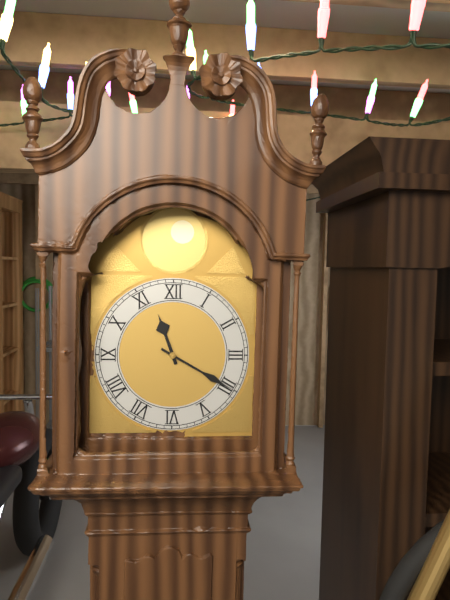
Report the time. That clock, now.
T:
11:20
